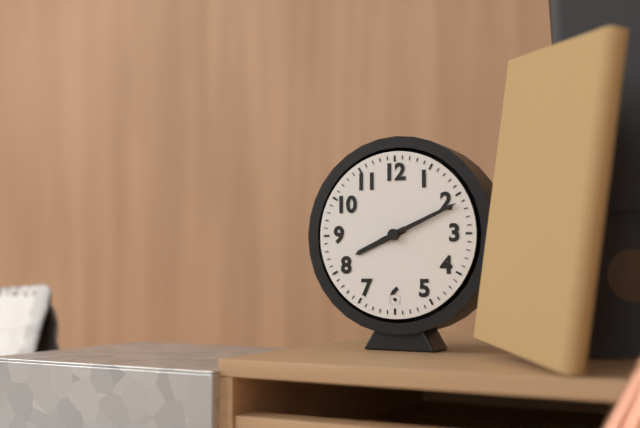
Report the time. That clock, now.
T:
8:11
